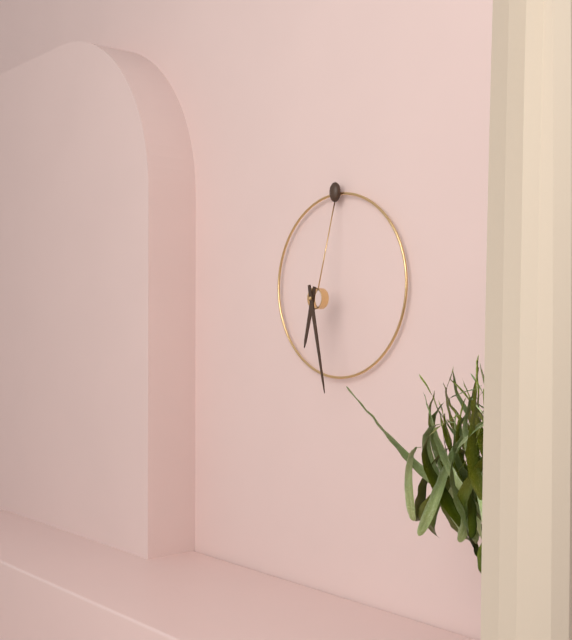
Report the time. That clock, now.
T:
6:28
